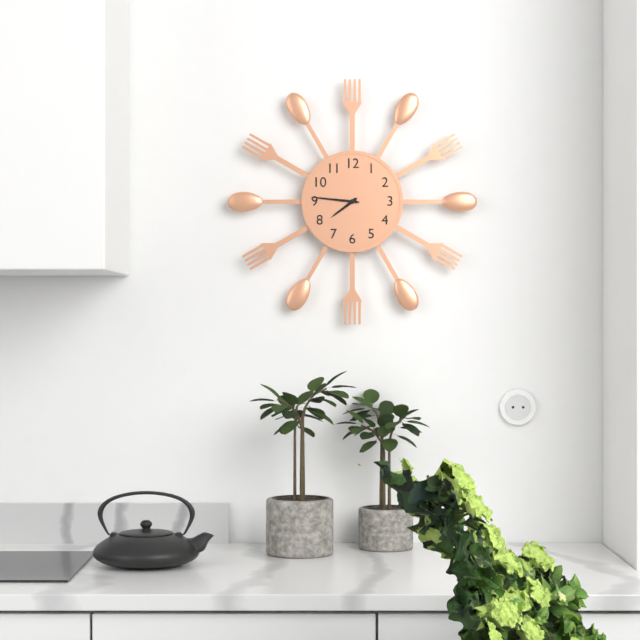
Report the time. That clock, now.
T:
7:46
